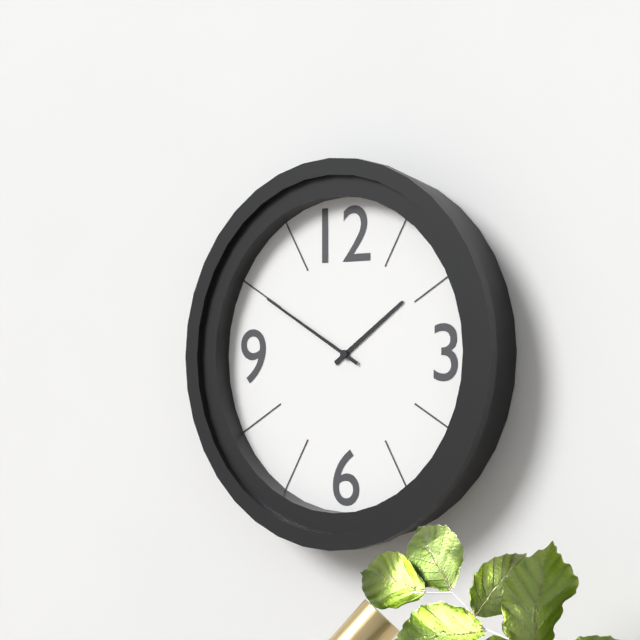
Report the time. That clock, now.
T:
1:50
